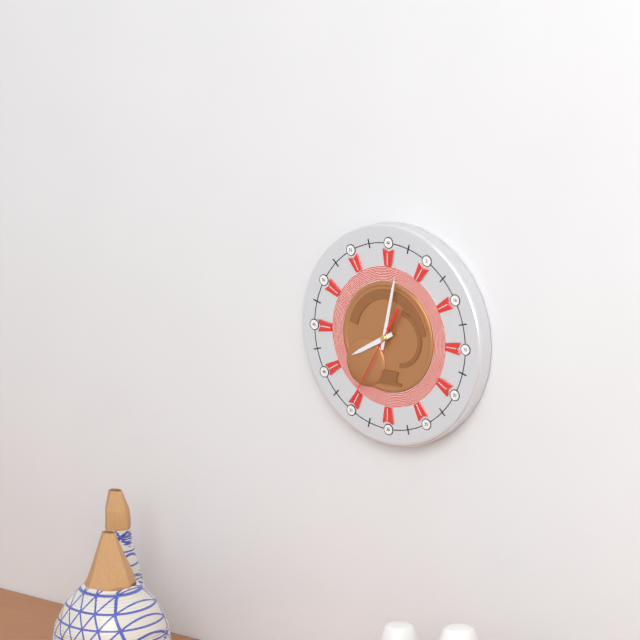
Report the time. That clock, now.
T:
8:02:35
